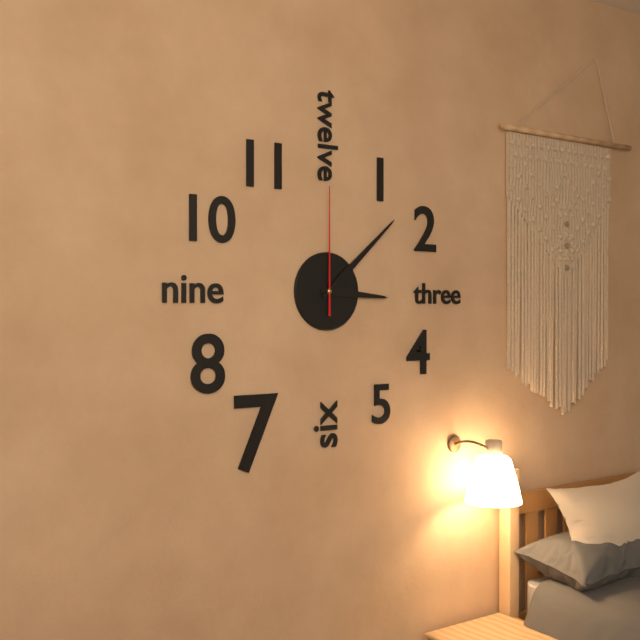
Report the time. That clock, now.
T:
3:08:00
